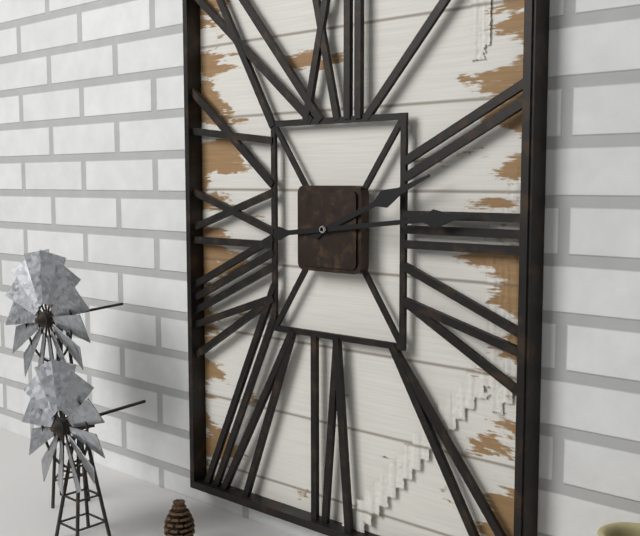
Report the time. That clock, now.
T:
2:14
